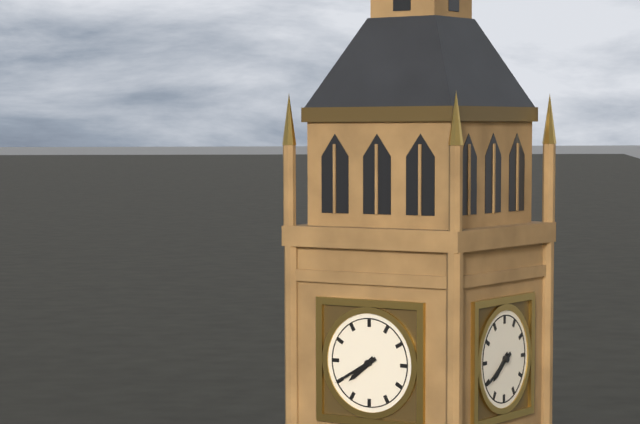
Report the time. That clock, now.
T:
7:40
